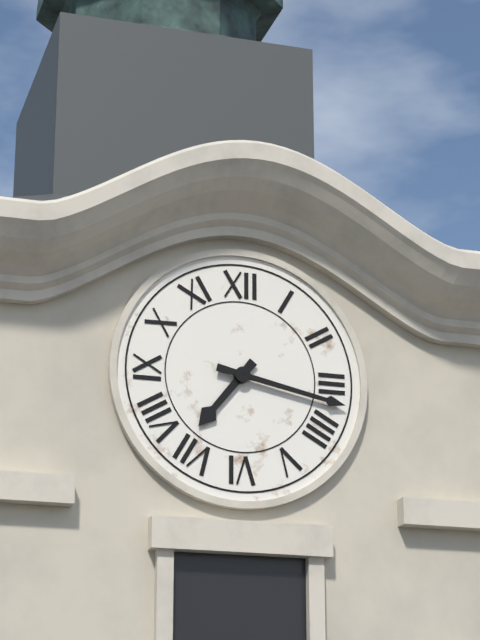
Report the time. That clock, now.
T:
7:17
